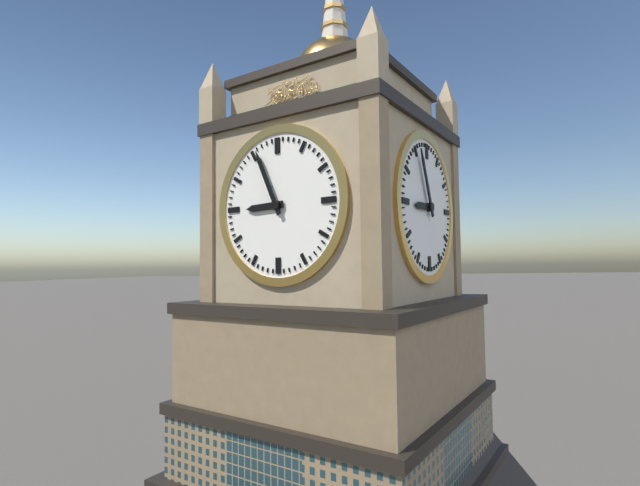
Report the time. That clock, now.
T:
8:56
